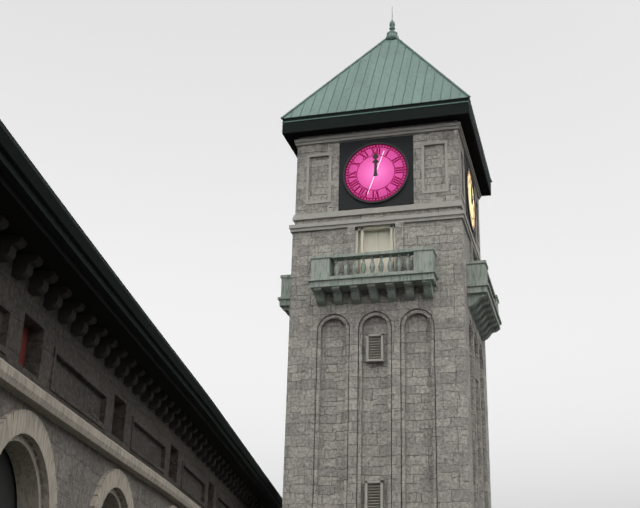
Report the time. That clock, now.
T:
12:00
